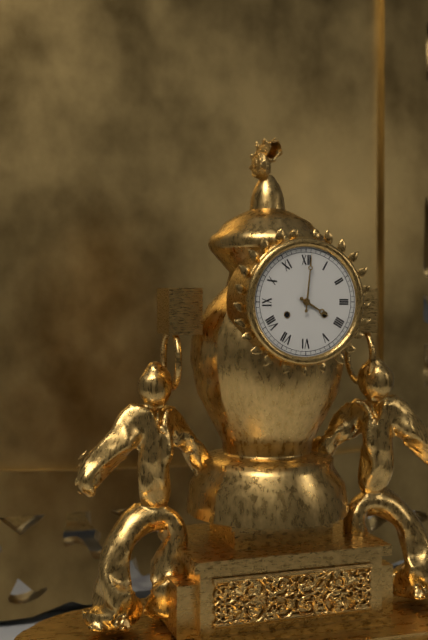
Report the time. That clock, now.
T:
4:01
